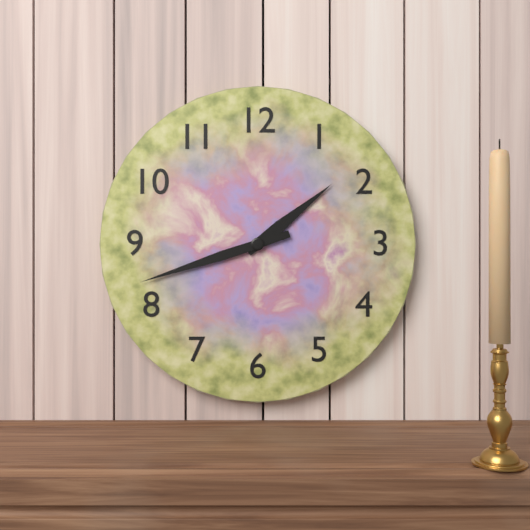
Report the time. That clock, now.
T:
1:42
